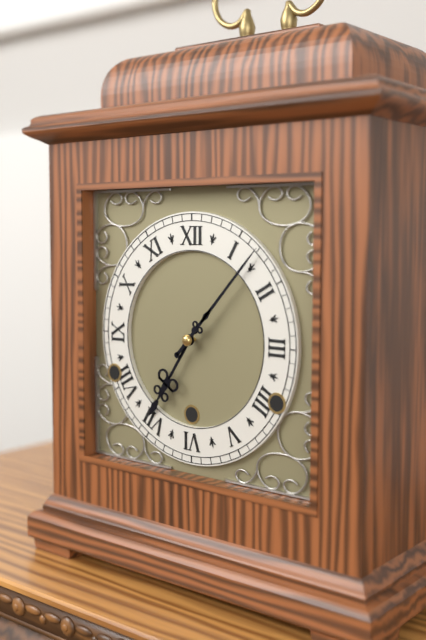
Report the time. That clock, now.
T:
7:07
